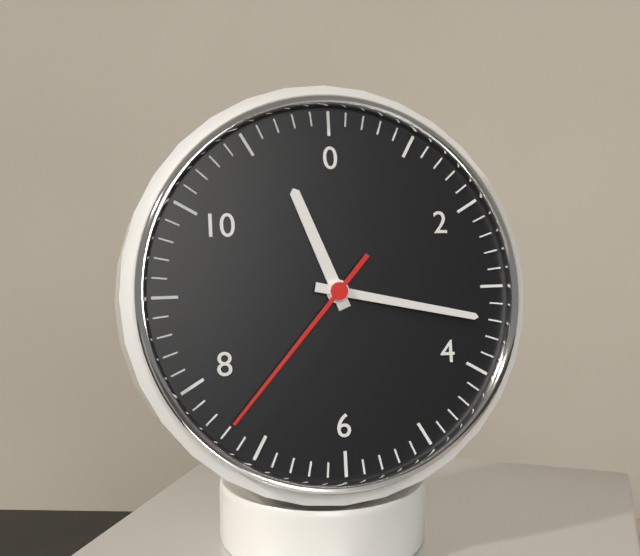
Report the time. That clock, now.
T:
11:17:37
